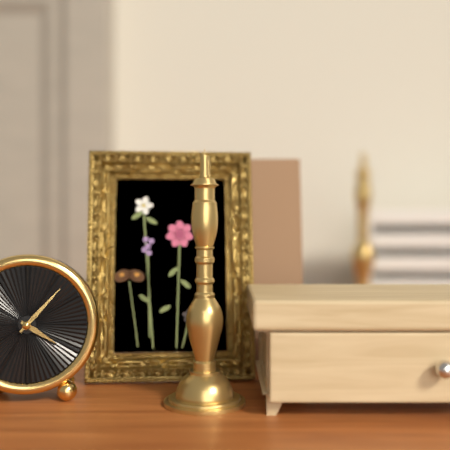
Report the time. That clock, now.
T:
4:07
